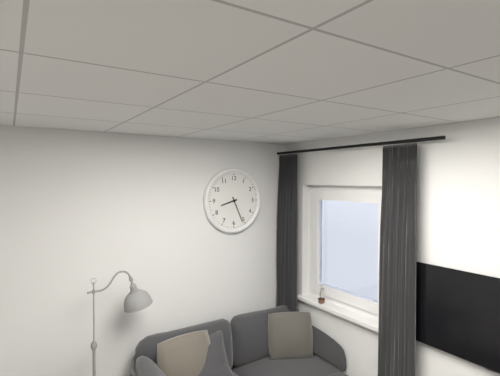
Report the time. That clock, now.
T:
8:26
